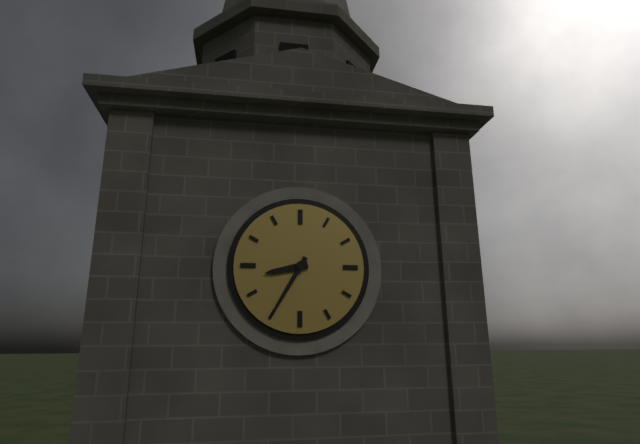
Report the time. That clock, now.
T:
8:35
